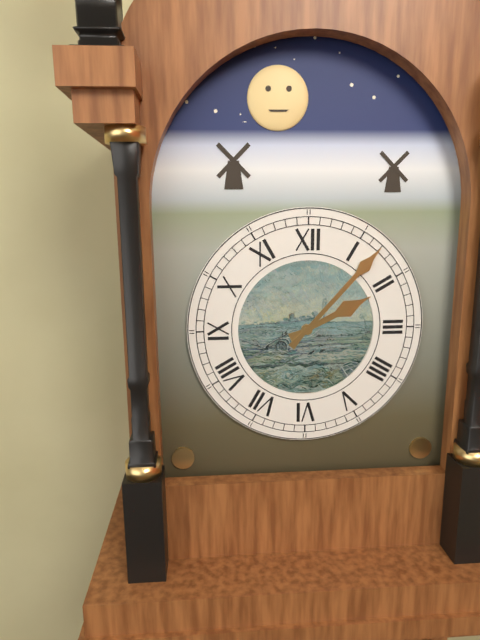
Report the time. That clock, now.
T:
2:07
